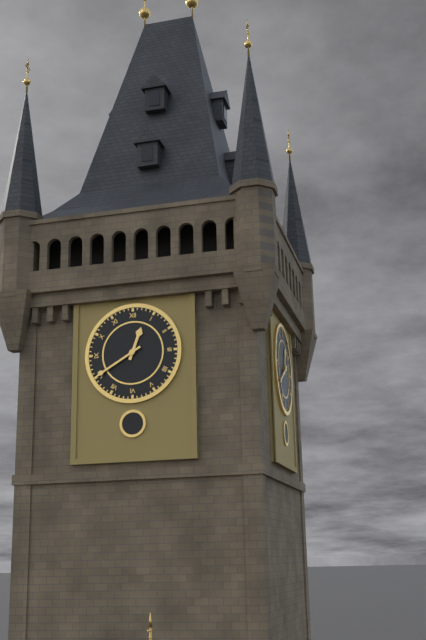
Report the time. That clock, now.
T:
12:40
